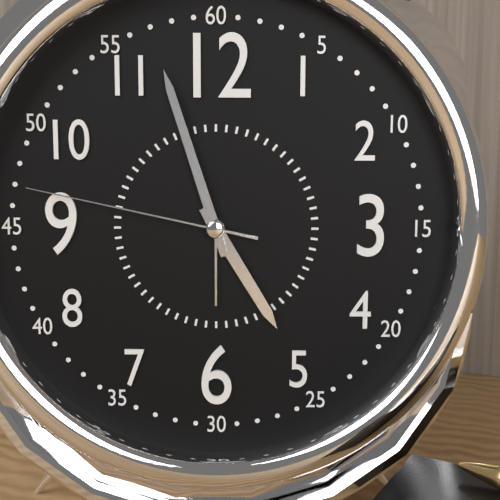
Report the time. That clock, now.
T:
4:57:47
